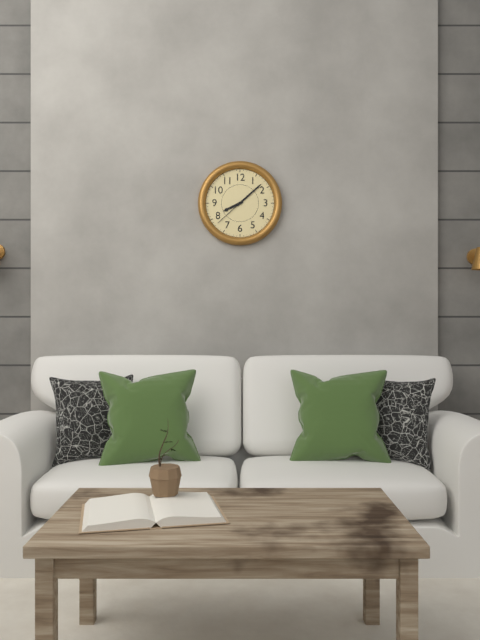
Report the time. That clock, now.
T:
8:08
